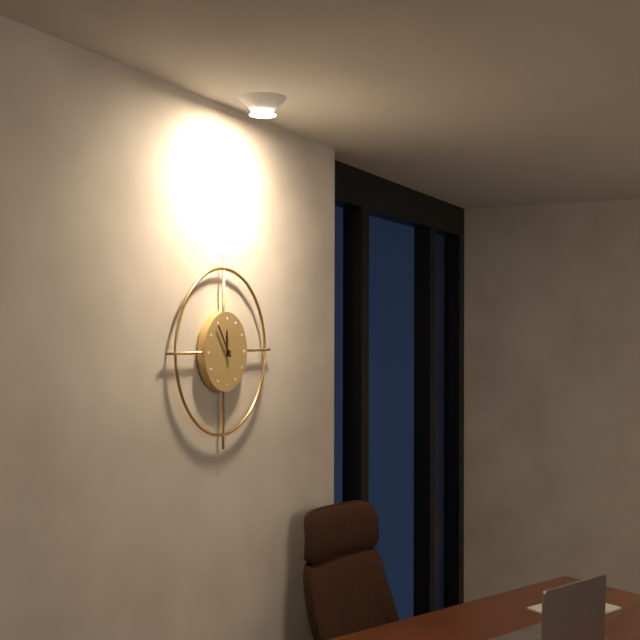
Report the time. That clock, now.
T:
11:54
